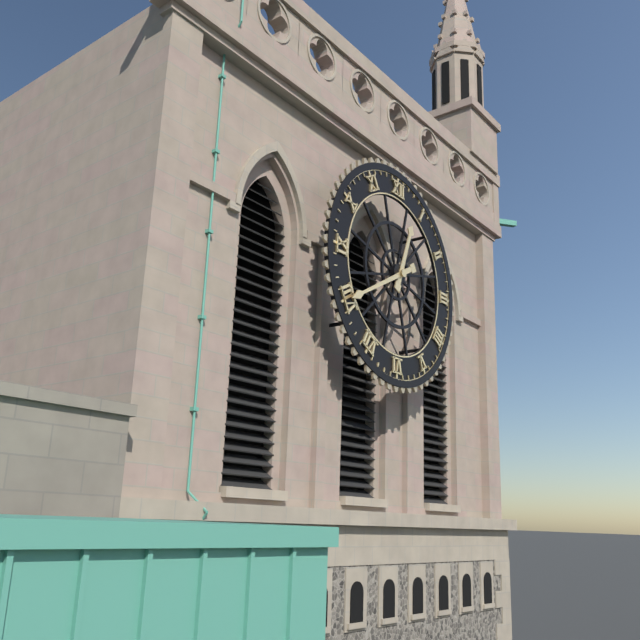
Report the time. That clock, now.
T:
12:40
